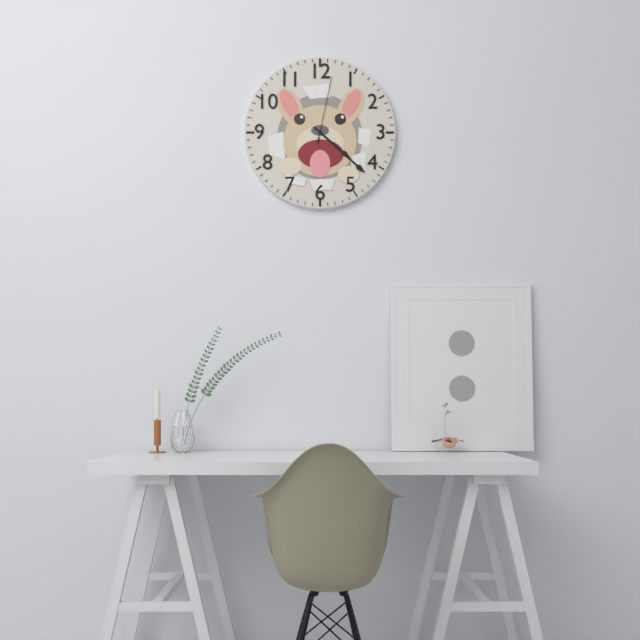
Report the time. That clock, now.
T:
4:22:02
